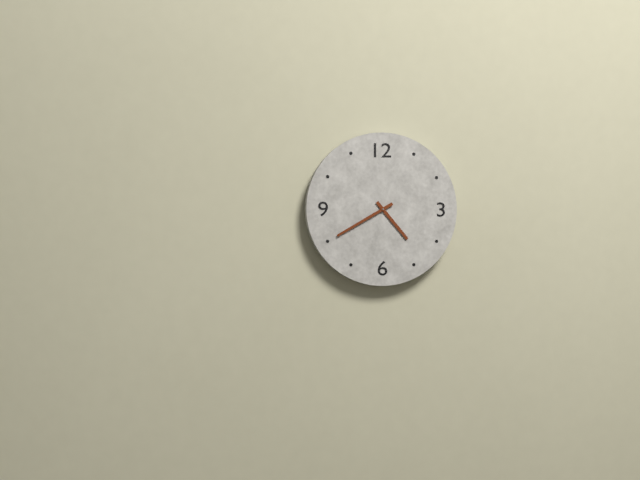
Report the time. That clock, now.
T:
4:40
